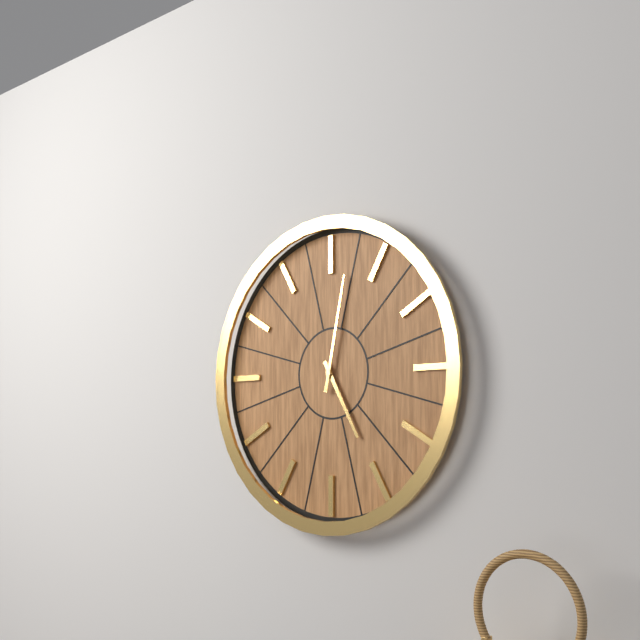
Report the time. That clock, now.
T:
5:02
